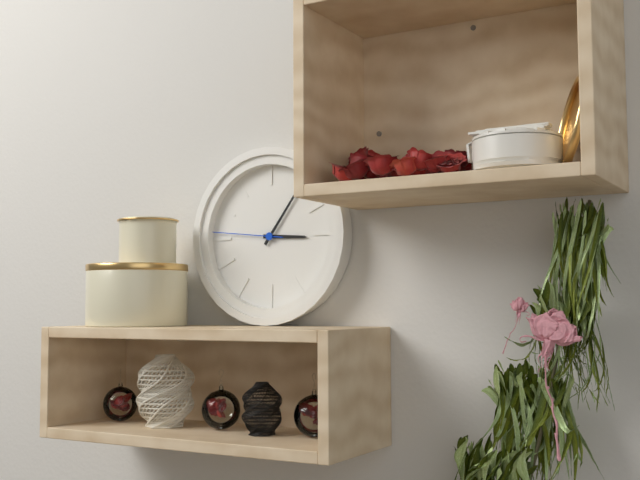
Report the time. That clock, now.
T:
3:06:46
